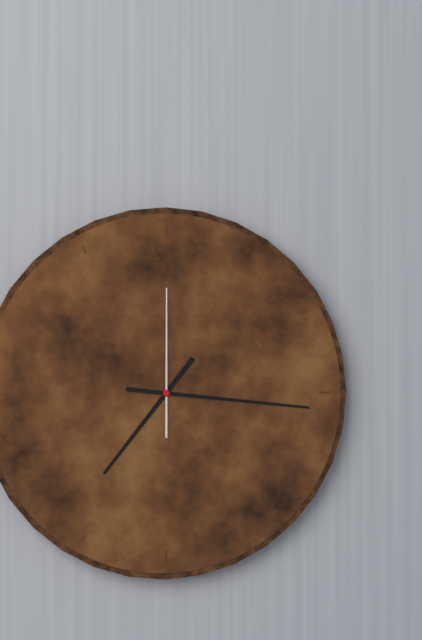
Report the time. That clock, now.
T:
7:16:00
